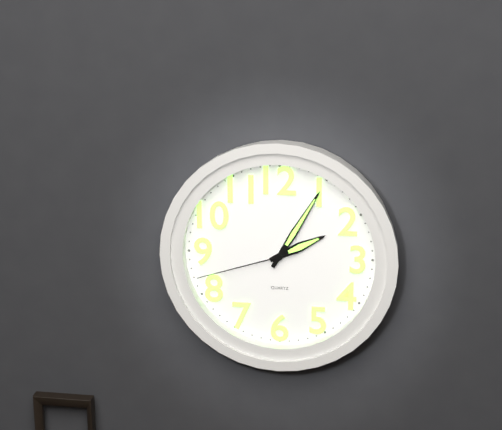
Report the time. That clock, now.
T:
2:05:42
